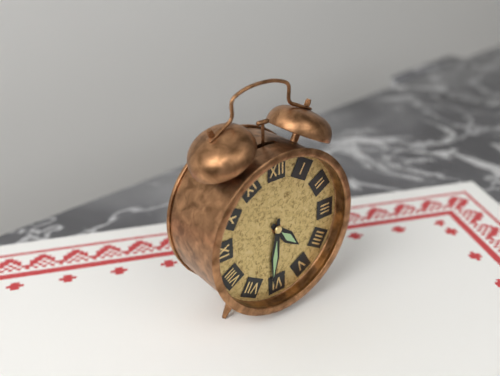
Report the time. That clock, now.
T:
4:31
